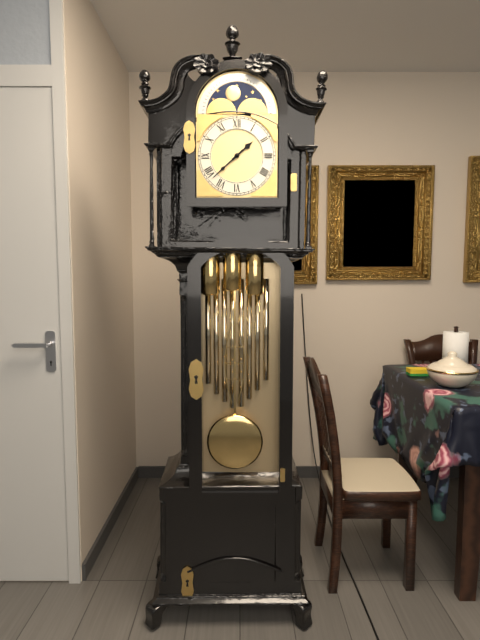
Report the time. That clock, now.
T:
1:38
